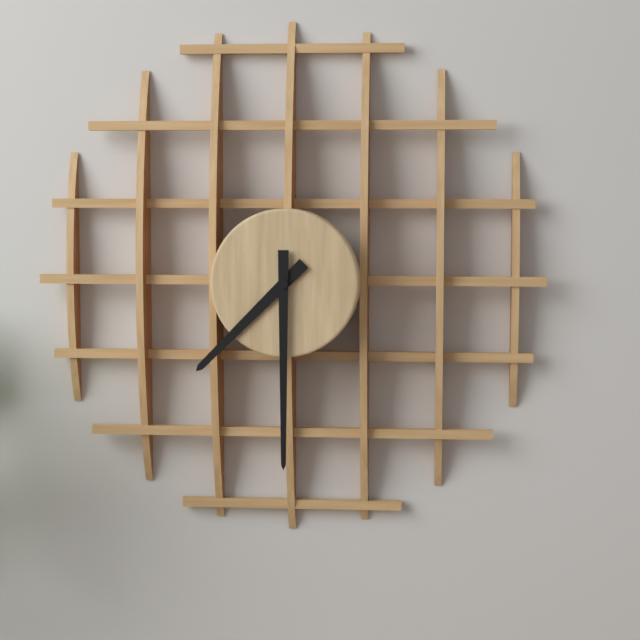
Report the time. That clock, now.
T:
7:30
